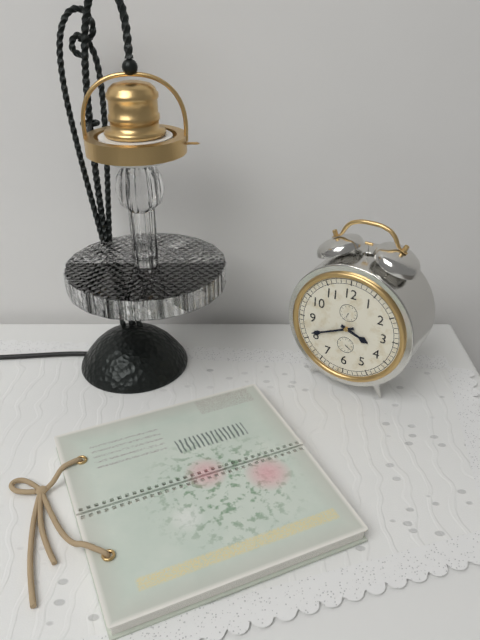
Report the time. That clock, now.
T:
3:41
